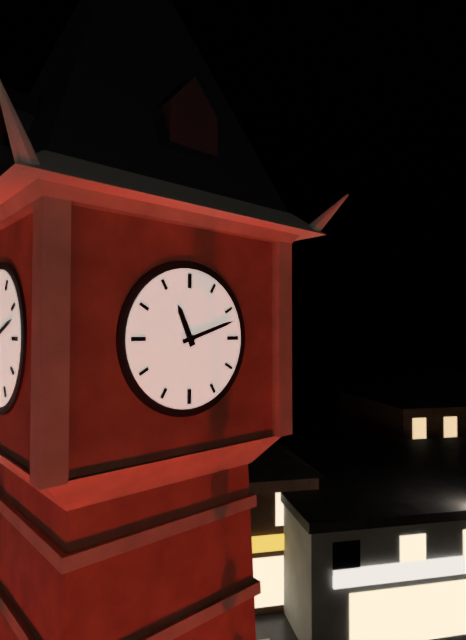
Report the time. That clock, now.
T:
11:12
